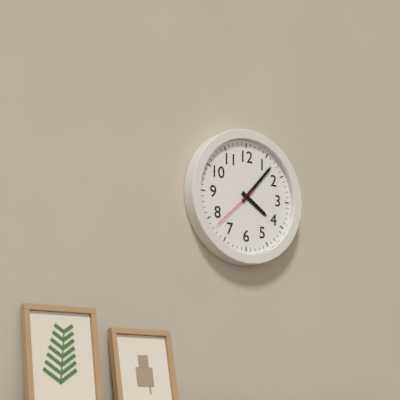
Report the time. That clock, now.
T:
4:07:38
